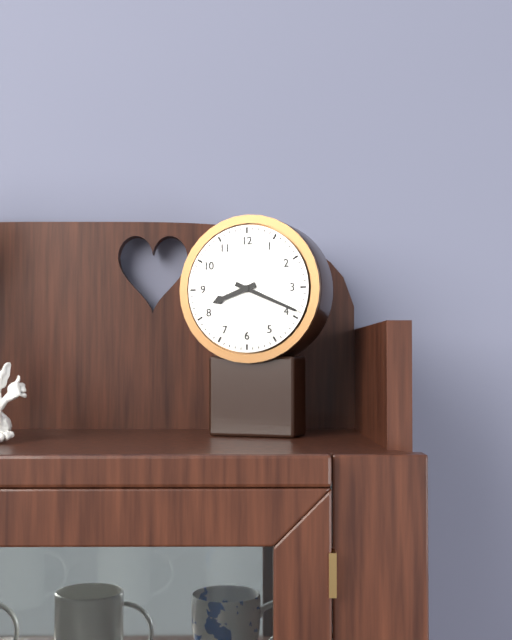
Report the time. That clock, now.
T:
8:19
